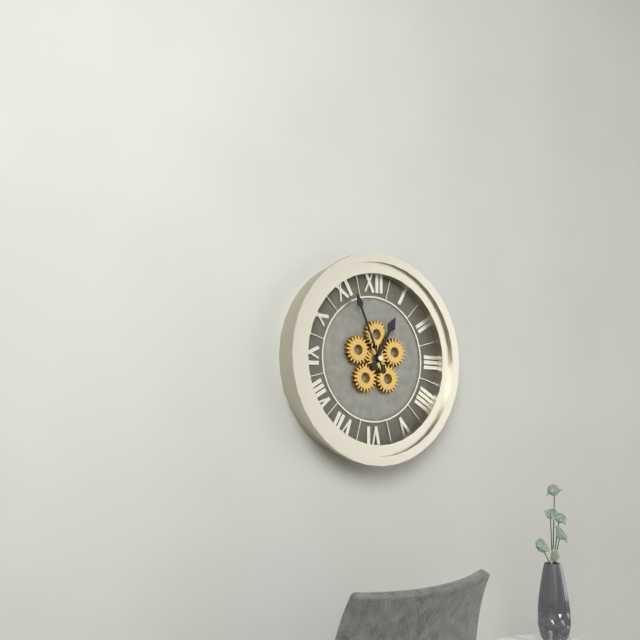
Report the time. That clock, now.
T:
12:56
